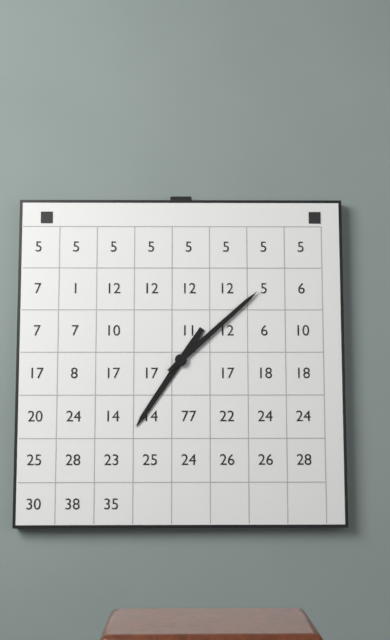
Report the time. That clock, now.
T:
7:08
